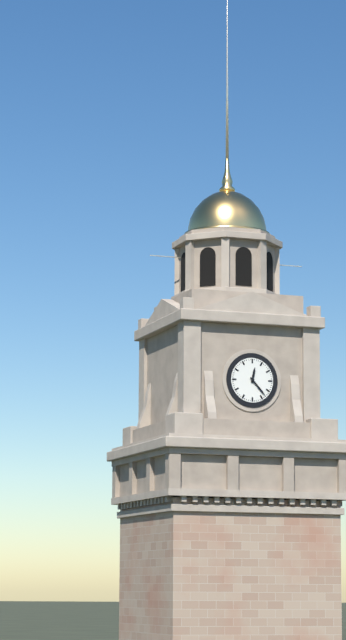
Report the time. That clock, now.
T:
12:23
